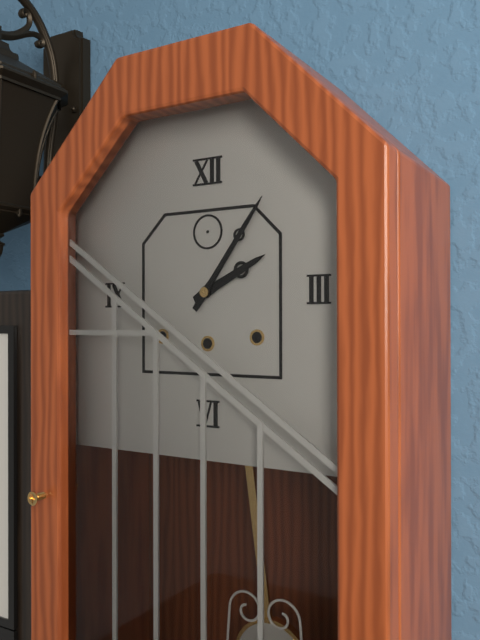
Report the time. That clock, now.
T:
2:06
